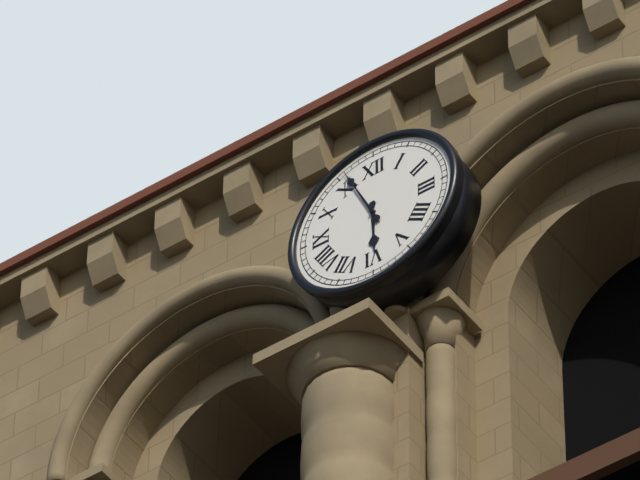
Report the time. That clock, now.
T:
5:56
